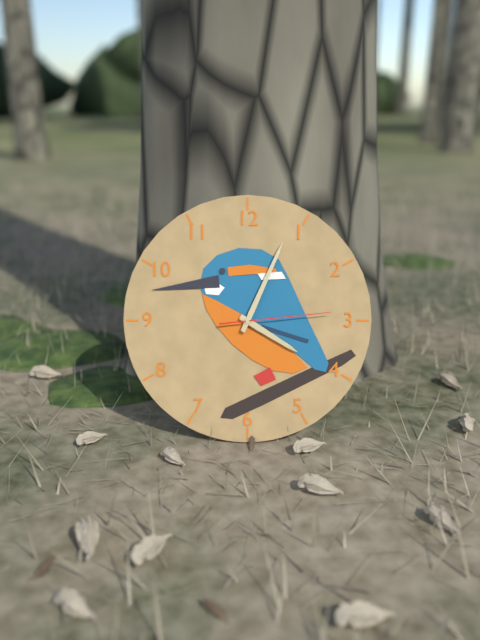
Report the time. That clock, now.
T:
4:04:14
